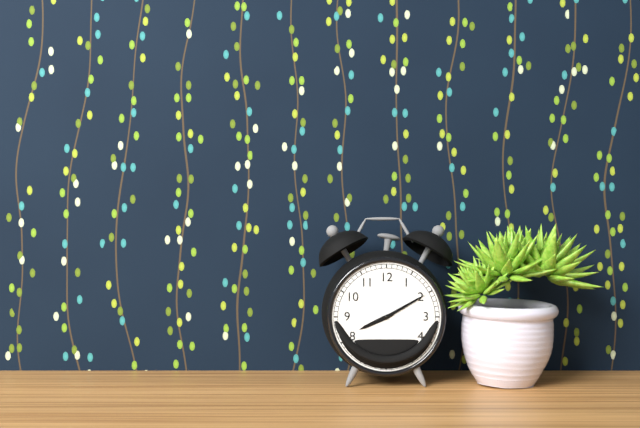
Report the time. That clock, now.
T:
8:10
